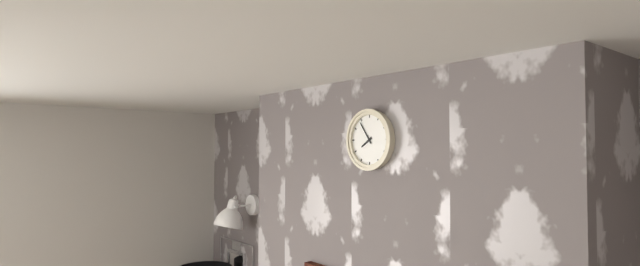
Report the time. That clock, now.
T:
7:54
